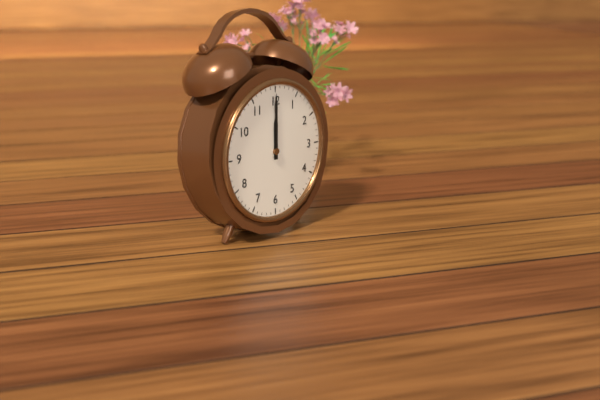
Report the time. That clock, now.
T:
12:00
